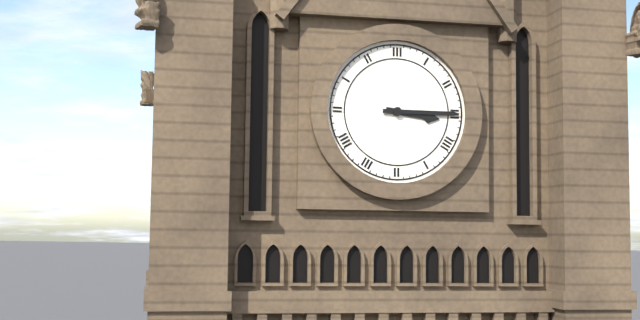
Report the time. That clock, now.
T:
3:15
